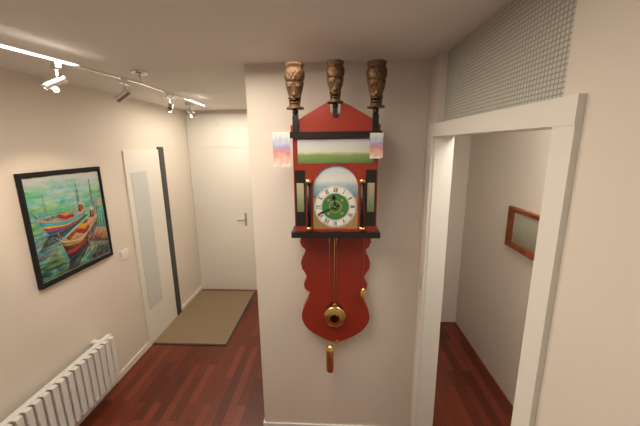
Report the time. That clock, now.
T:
11:41
